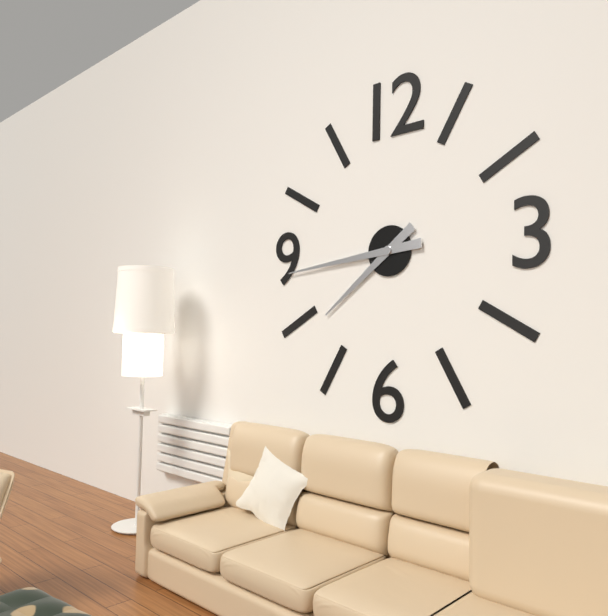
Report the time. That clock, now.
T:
7:44
